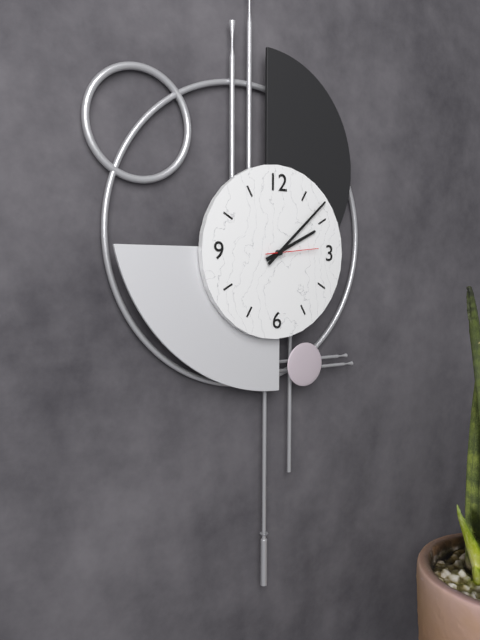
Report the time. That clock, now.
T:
2:08
